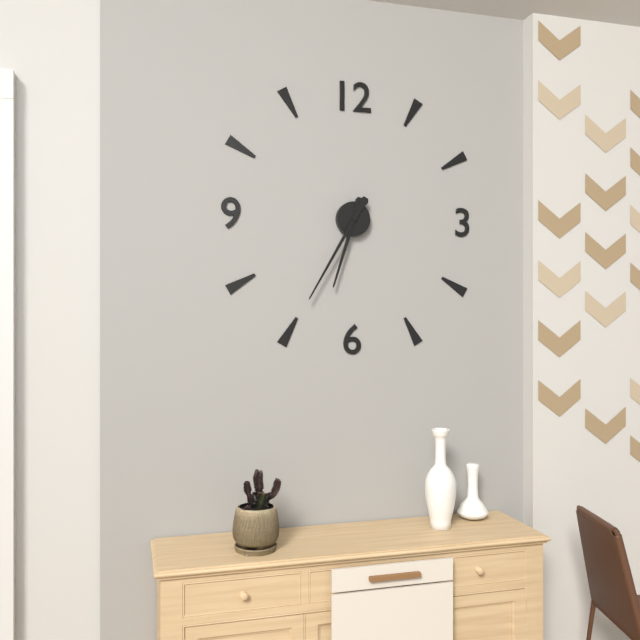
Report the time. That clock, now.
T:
6:35
